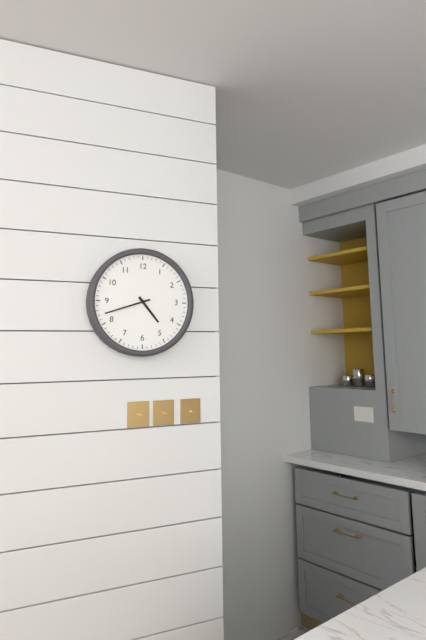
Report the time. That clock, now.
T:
4:42
